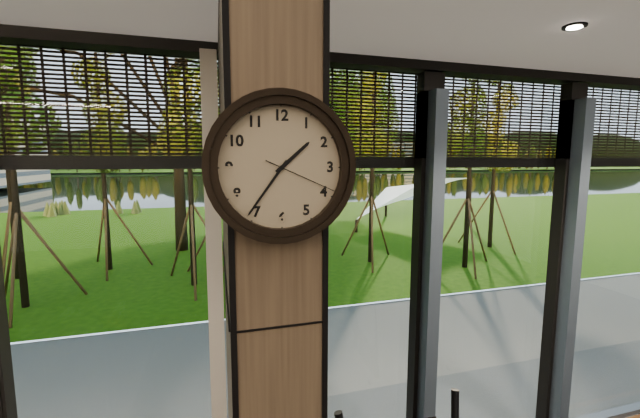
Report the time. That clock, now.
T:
1:36:19
